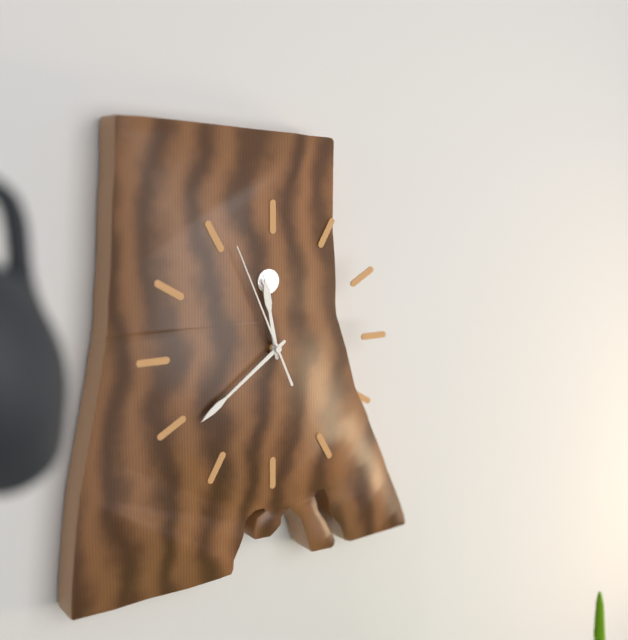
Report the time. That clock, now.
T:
11:39:56
